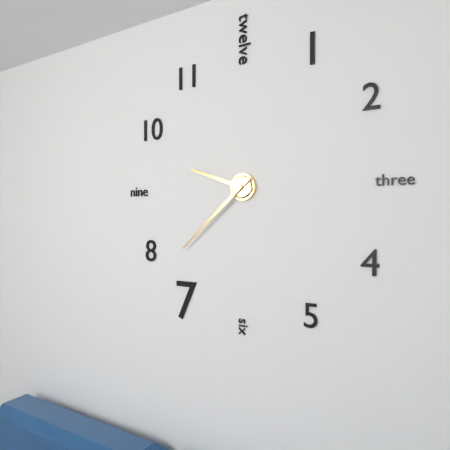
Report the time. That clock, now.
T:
9:38
